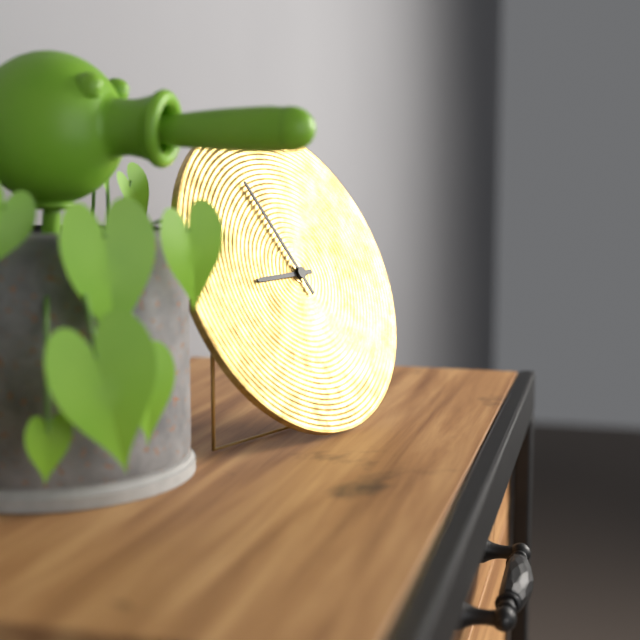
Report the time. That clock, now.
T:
8:56
